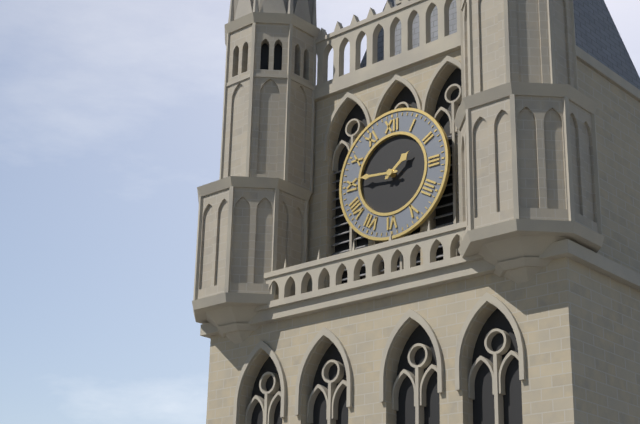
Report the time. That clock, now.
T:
1:46
